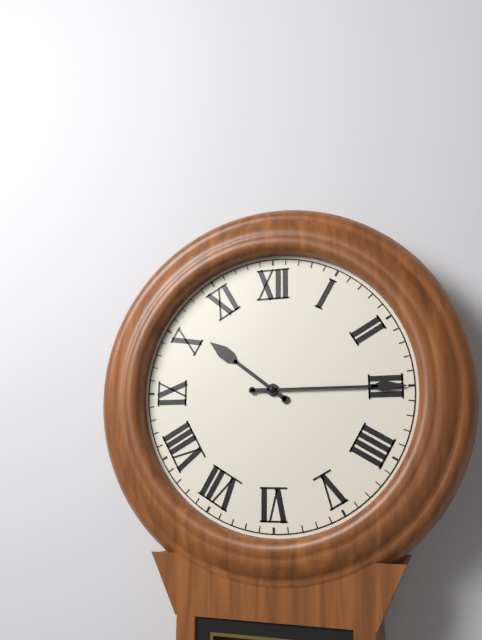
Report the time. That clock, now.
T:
10:15
